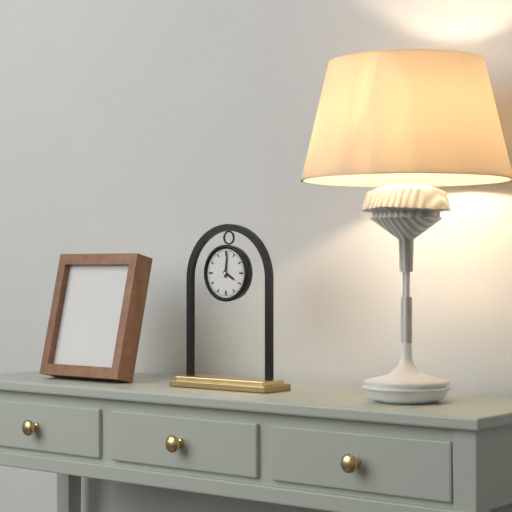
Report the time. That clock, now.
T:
4:01
